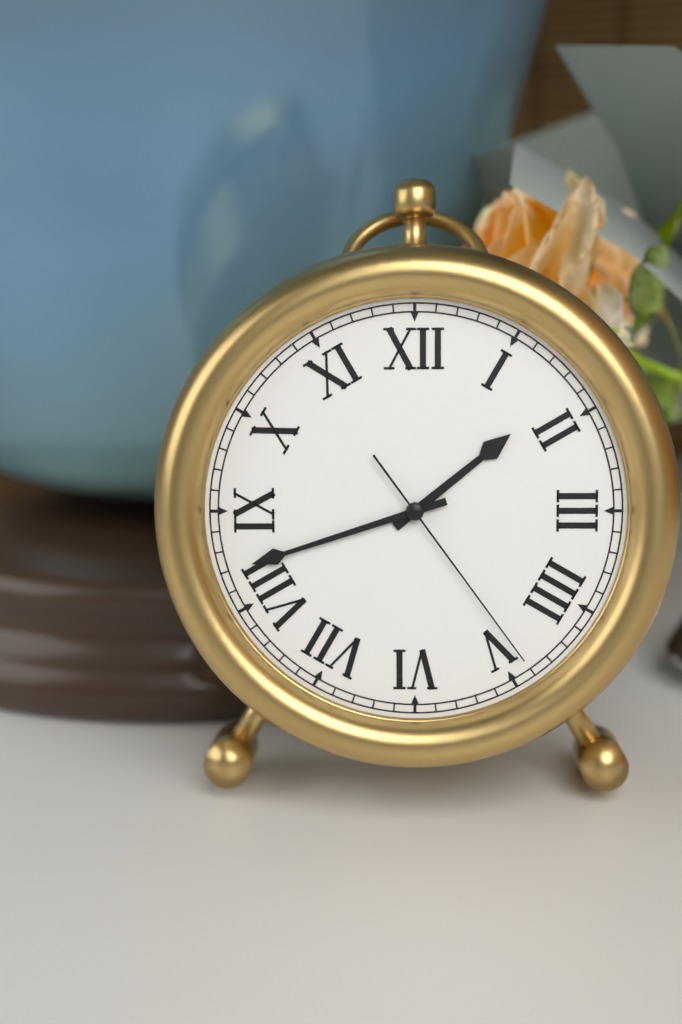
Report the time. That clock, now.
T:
1:42:24
